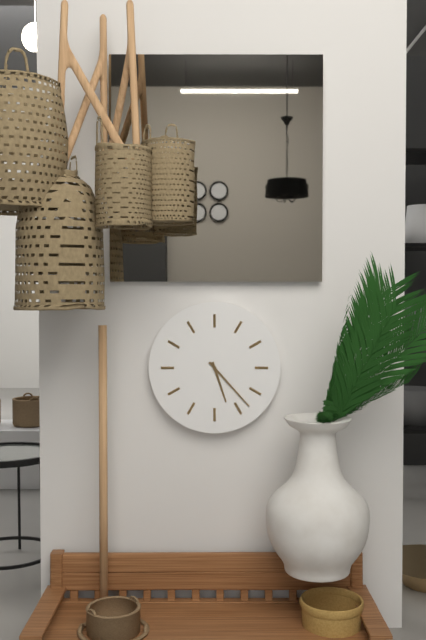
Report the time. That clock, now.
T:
5:23
